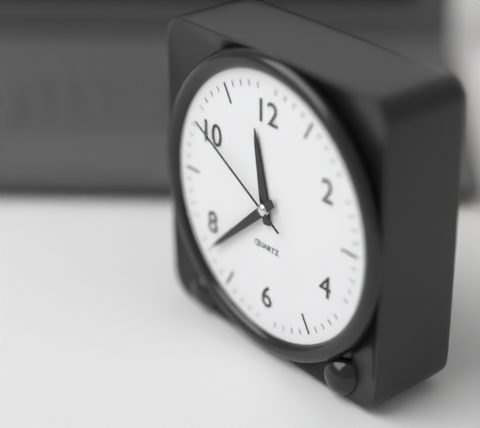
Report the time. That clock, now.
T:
11:38:50
